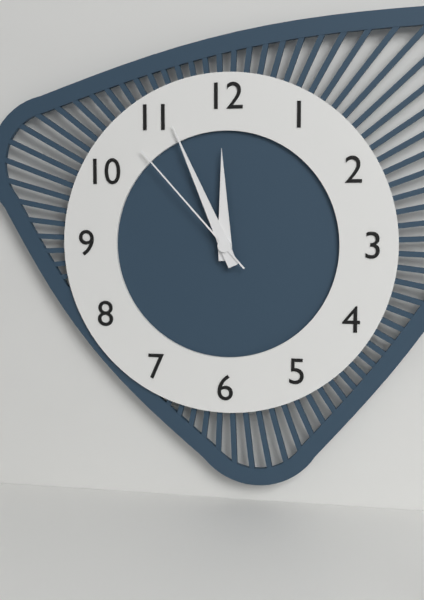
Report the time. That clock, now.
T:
11:56:53
